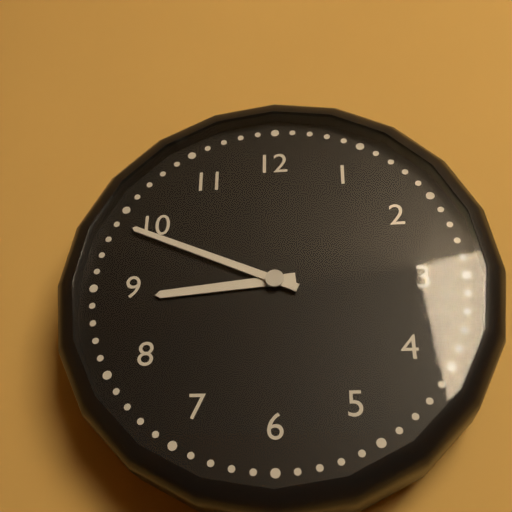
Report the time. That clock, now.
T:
8:49
